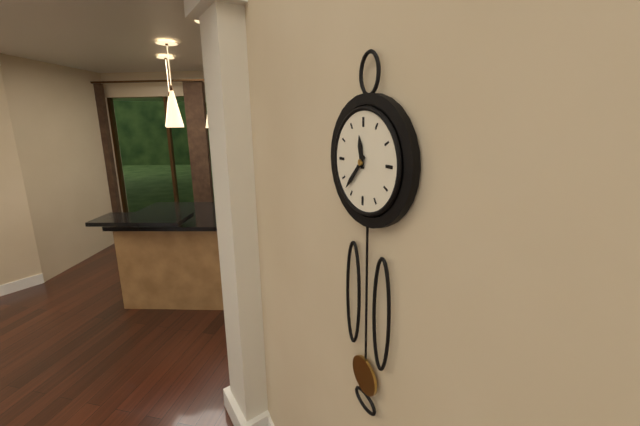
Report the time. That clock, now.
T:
11:37
